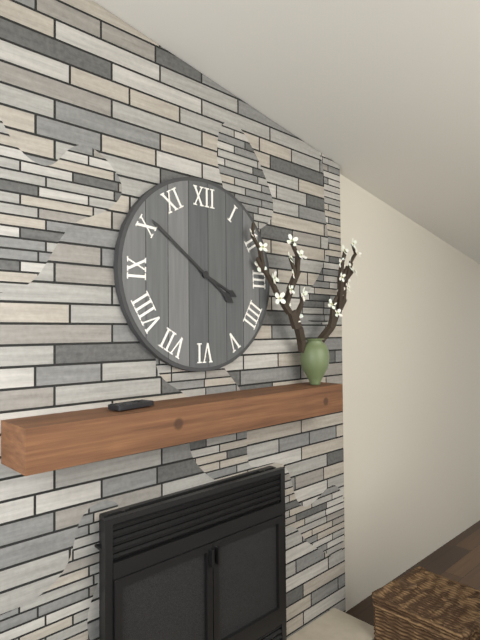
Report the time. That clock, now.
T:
3:51
